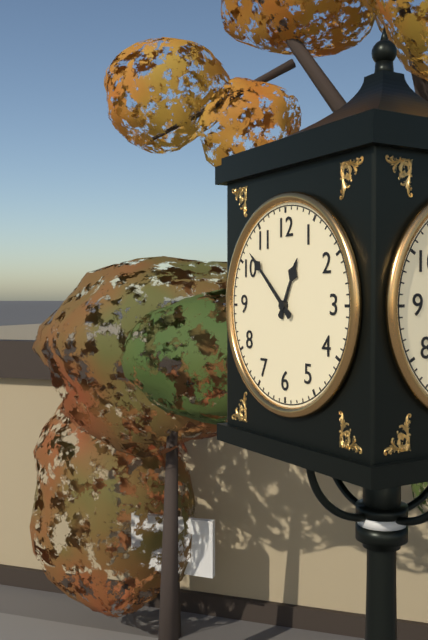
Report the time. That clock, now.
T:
12:52
